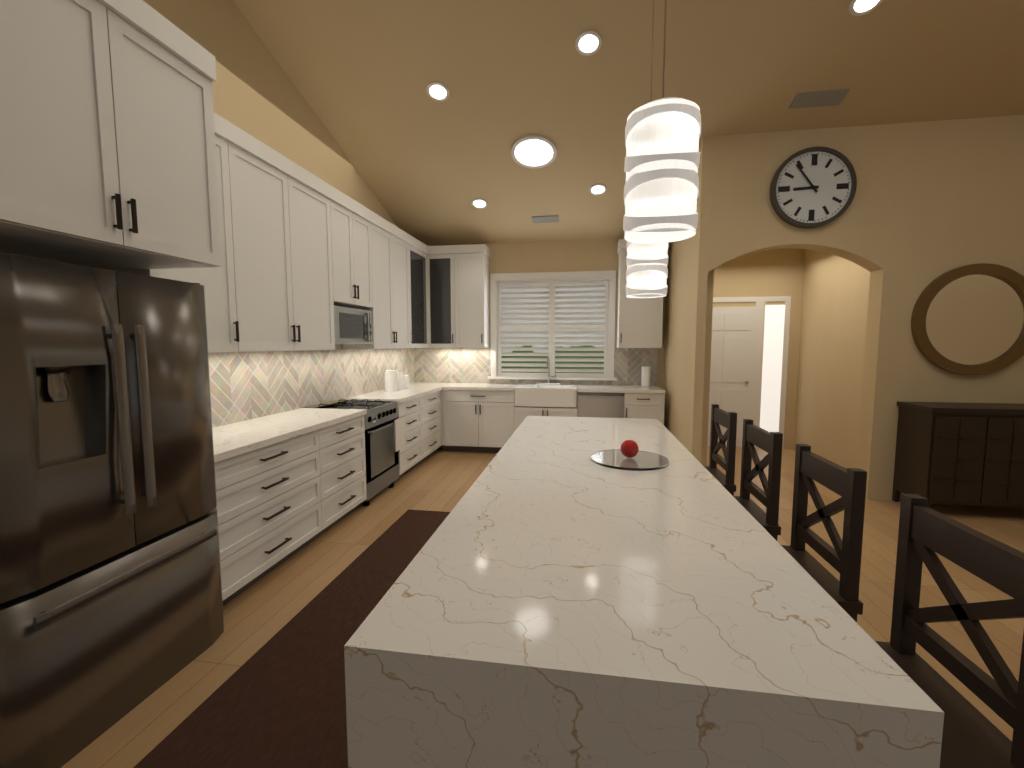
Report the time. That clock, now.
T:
8:54
